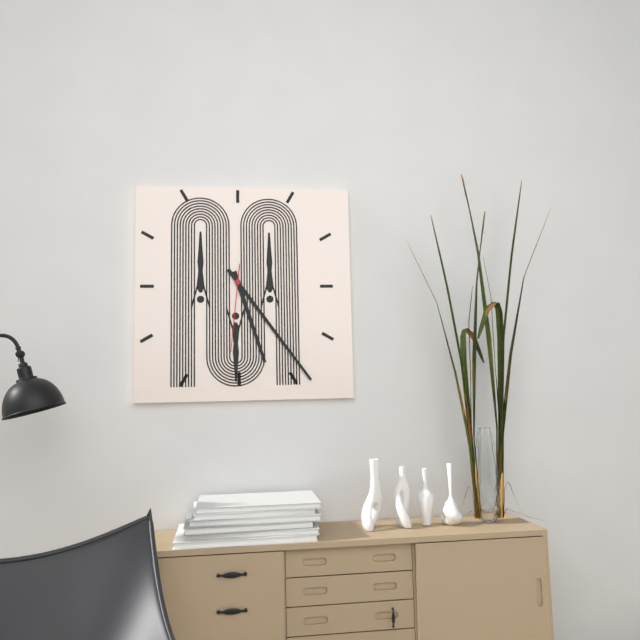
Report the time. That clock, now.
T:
5:24:31
